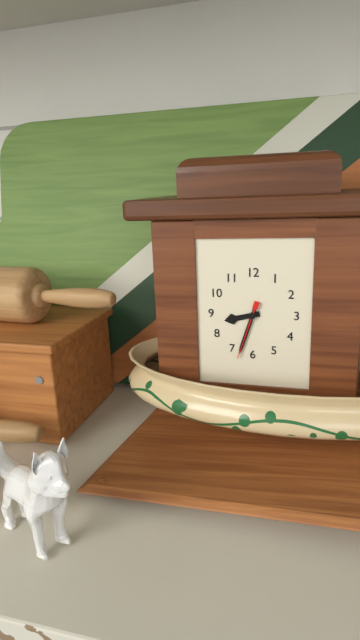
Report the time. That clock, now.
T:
8:33:33
